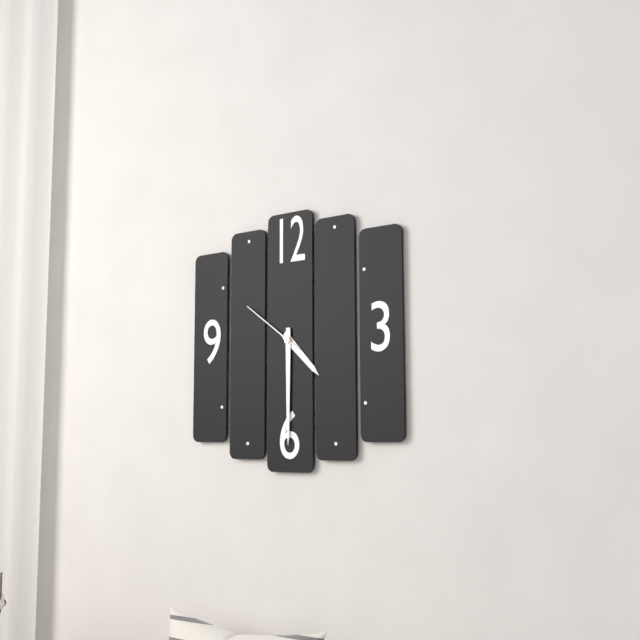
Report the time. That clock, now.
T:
4:30:51
